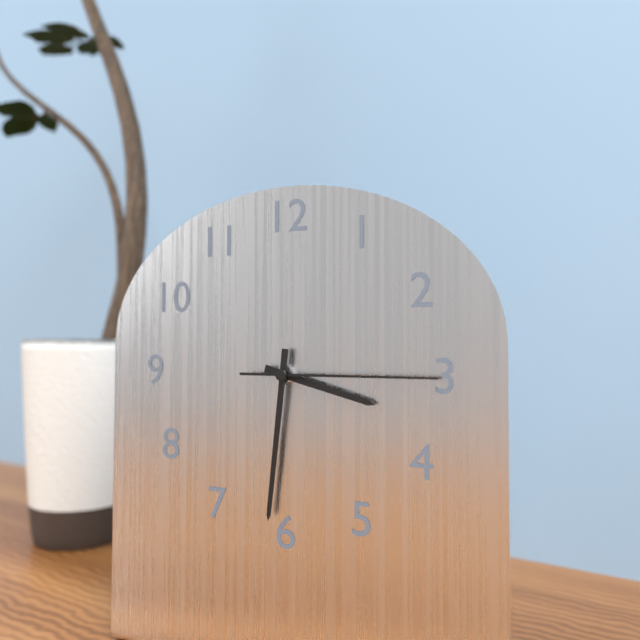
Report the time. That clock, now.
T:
3:31:15
